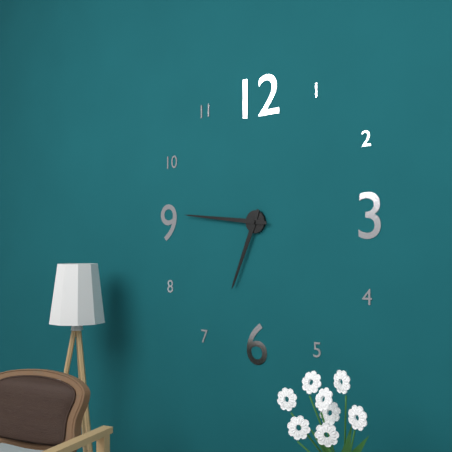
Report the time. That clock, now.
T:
6:46
